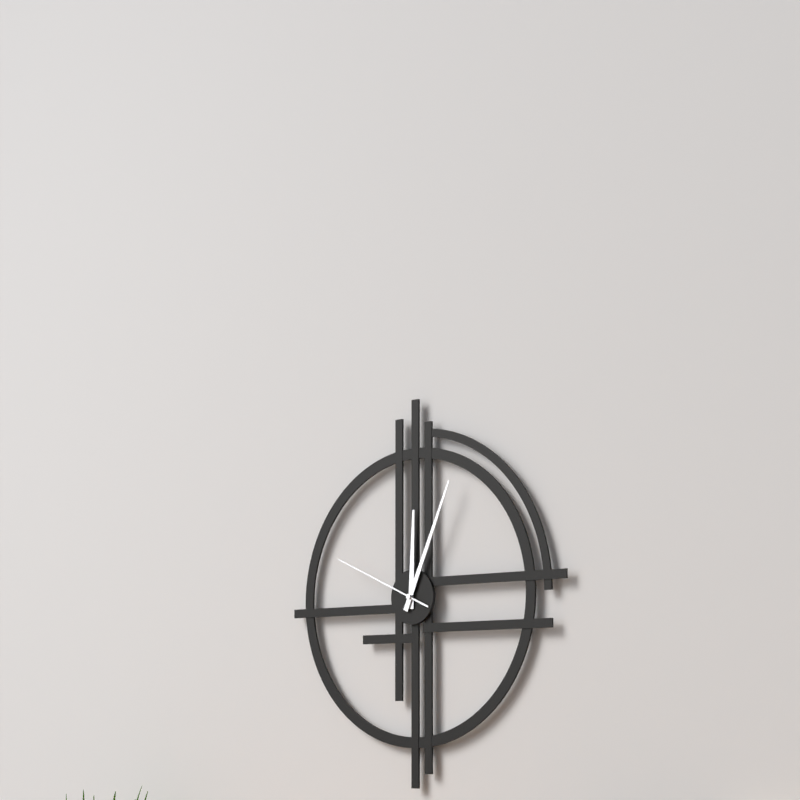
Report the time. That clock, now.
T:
12:04:49
